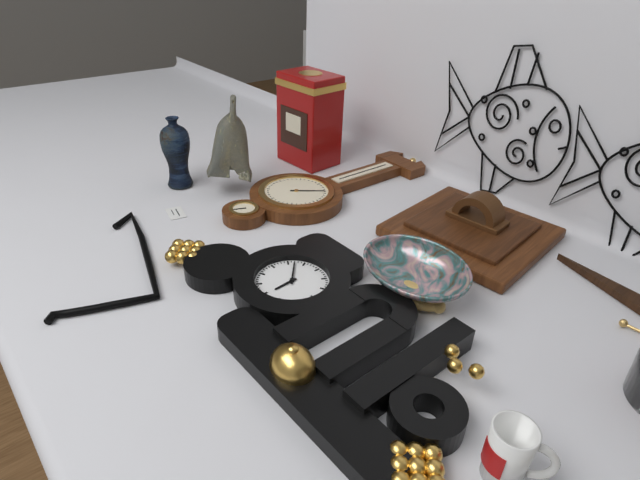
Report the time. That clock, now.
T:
5:52
